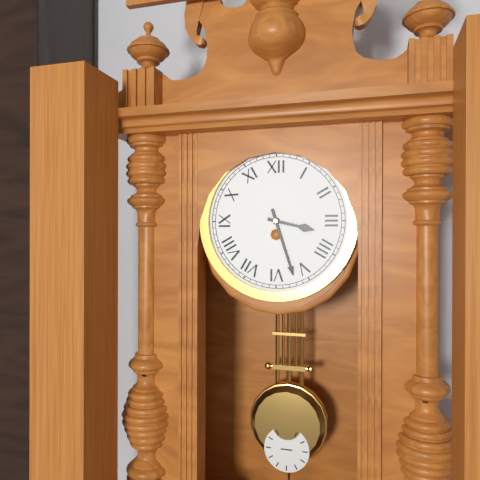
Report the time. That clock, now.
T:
3:27
